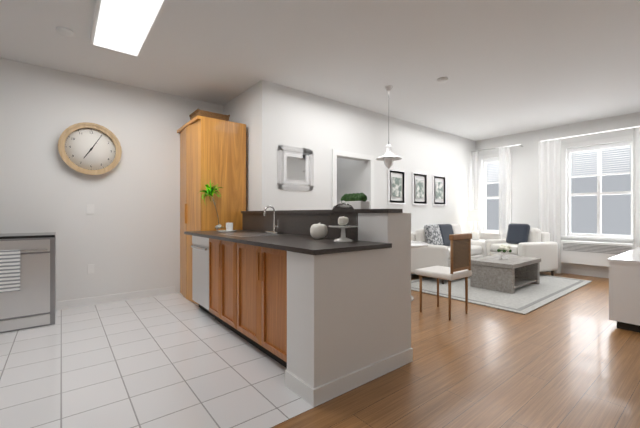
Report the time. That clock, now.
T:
7:05
